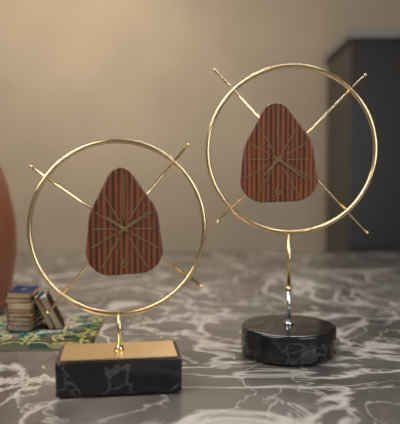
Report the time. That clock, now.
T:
7:21
